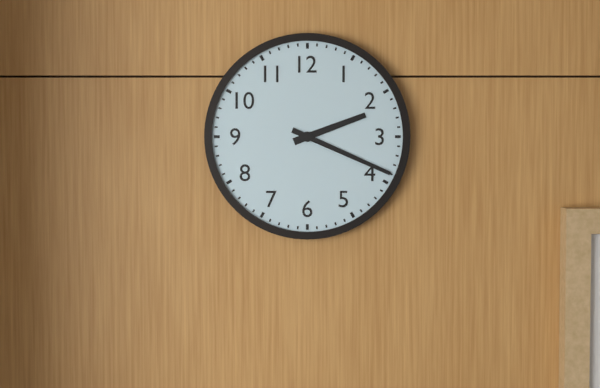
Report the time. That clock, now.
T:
2:19
